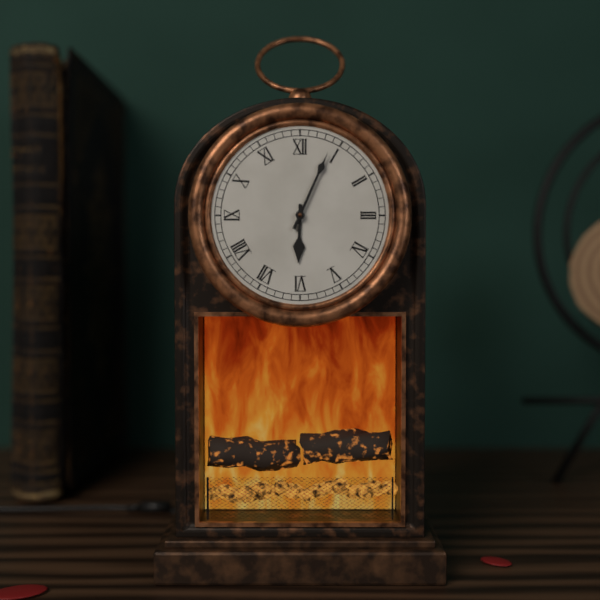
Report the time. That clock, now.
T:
6:04
